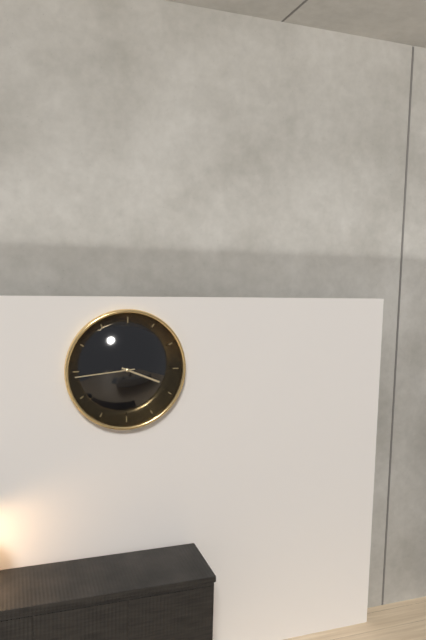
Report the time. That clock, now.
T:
3:44
